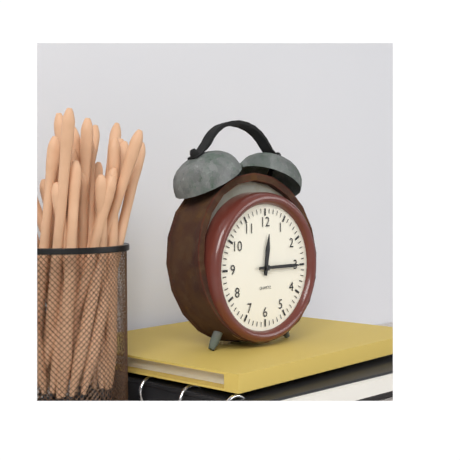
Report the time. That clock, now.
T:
12:15
